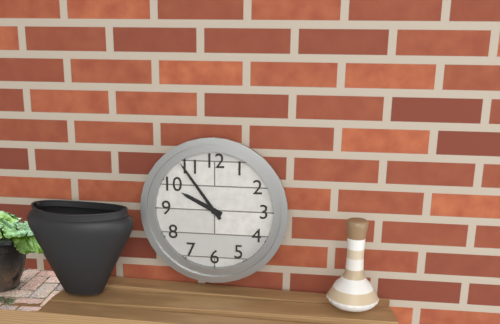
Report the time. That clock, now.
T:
9:54
